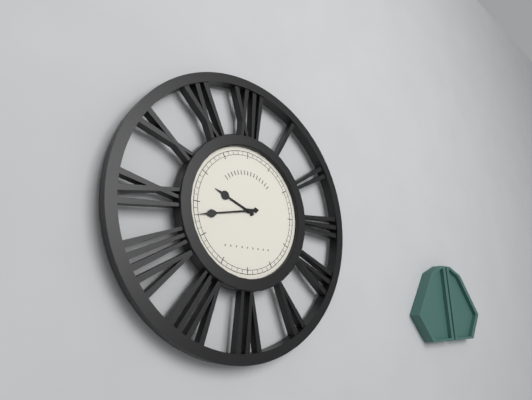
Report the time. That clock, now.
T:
9:43
